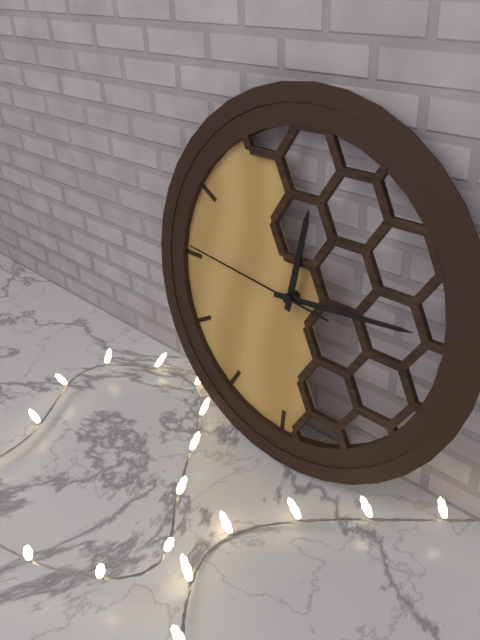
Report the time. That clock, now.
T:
12:14:46
